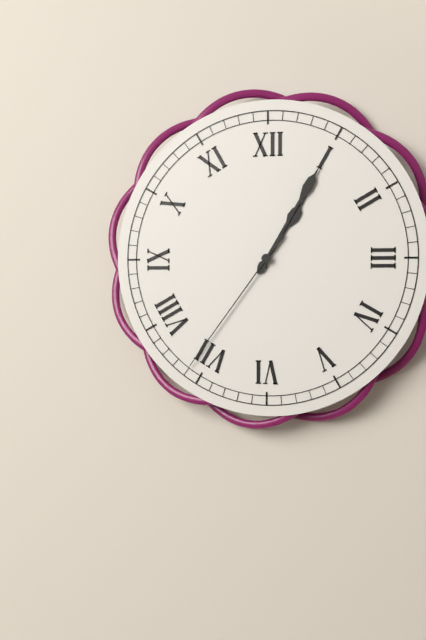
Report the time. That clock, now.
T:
1:05:36
